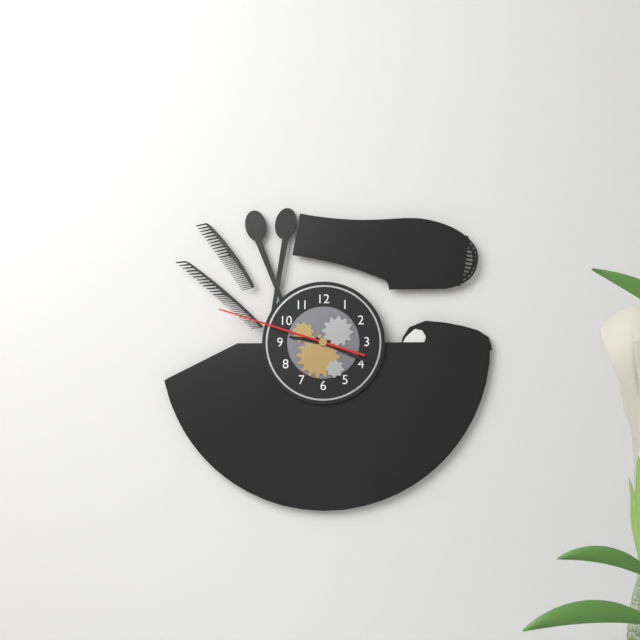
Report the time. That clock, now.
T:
9:19:48
